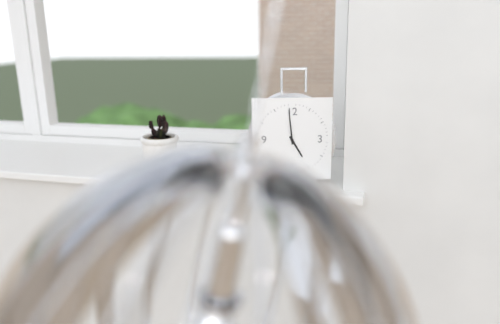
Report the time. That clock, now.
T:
4:59
